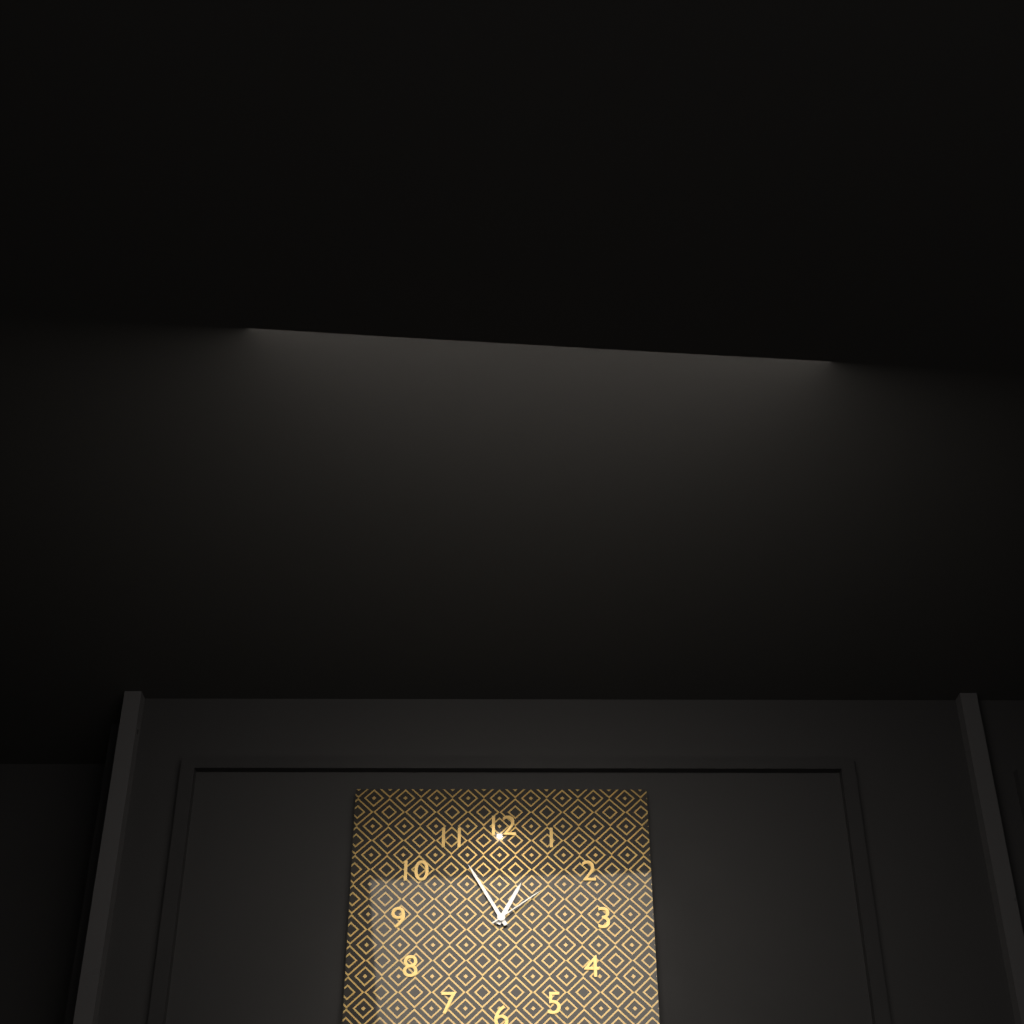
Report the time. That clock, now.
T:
12:55:09
